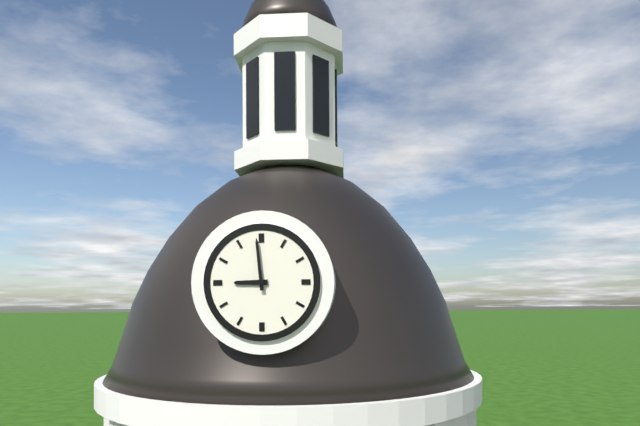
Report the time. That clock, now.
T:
8:59
